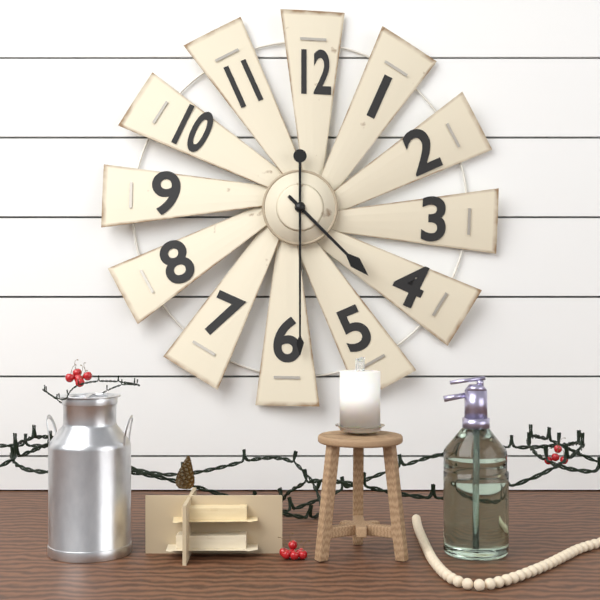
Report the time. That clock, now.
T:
4:30
